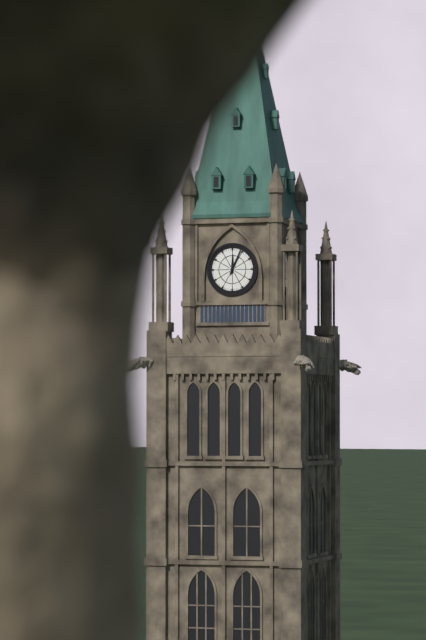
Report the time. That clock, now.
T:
12:04
